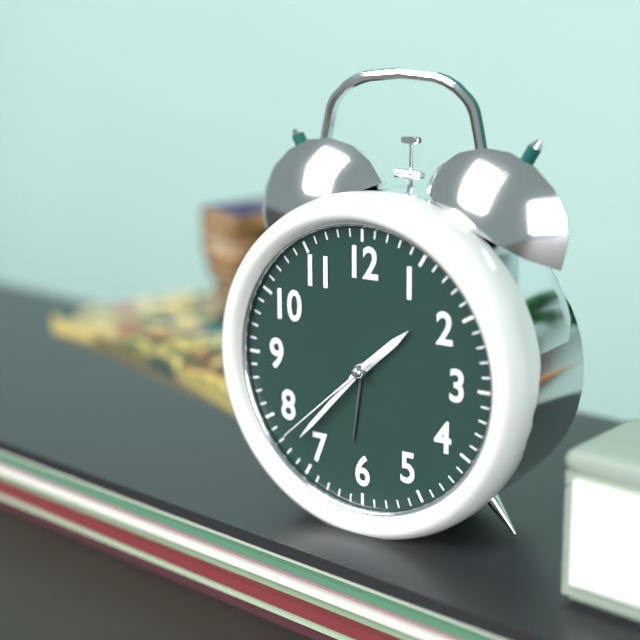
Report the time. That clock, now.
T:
1:37:38
